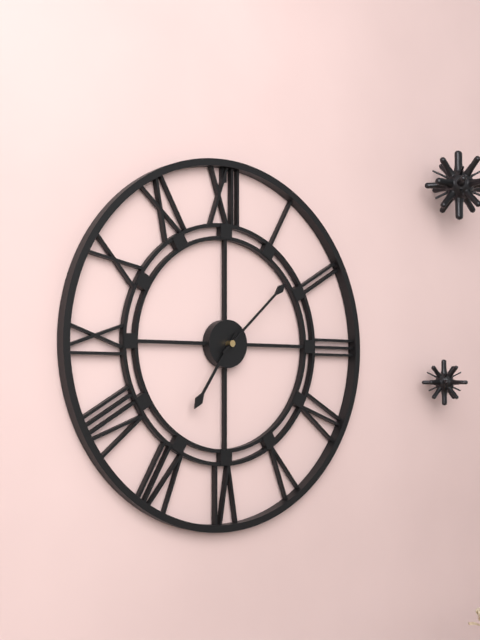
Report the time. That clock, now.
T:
7:08
